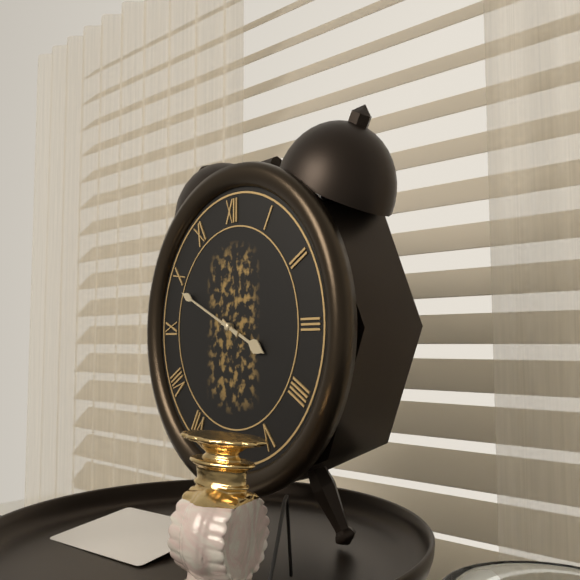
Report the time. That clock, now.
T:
3:49
